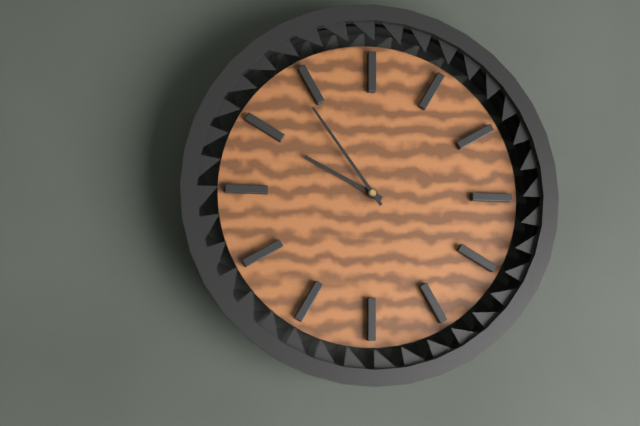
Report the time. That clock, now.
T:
9:54
